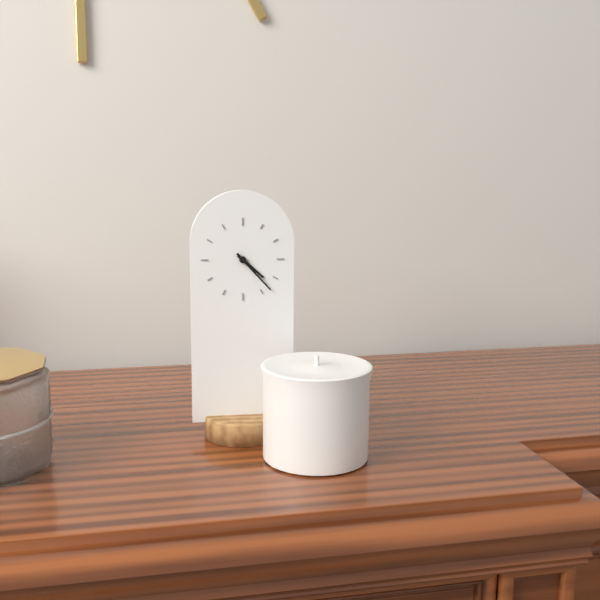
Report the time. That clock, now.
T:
4:23
